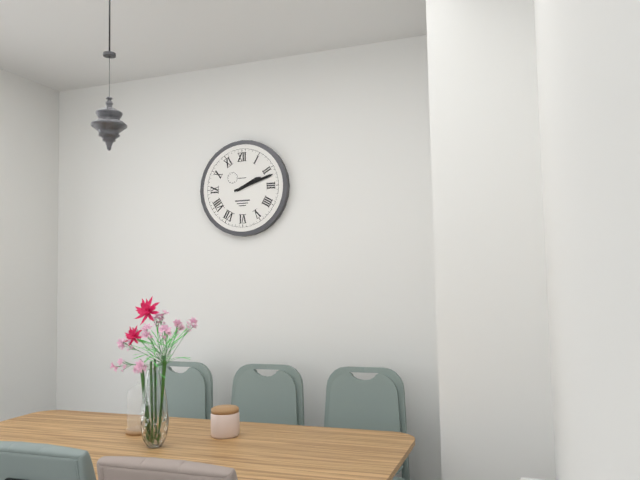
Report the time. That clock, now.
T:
2:12
